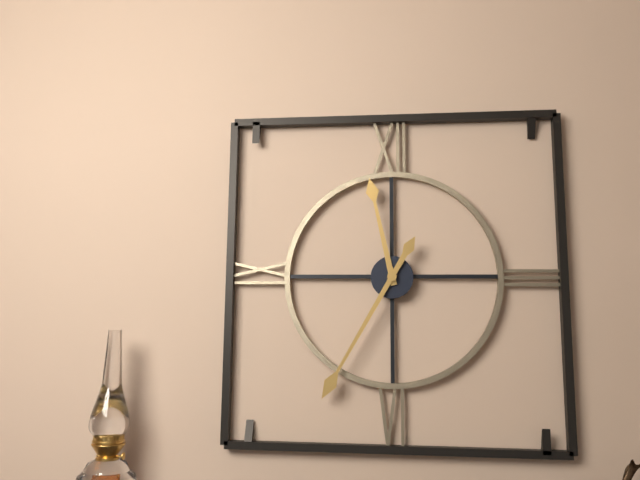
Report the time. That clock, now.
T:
11:35
